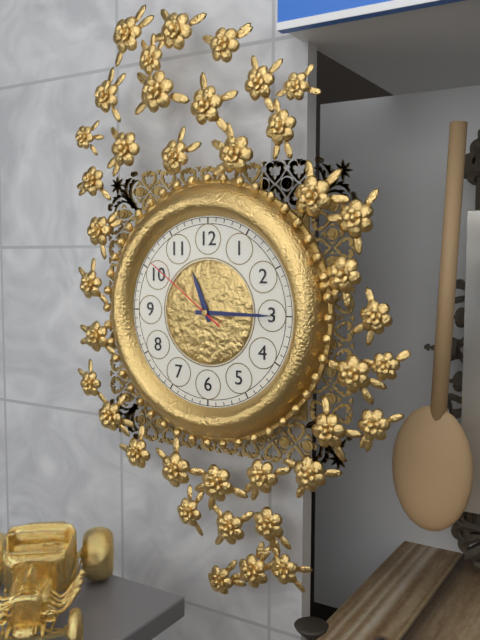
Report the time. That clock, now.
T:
11:15:51
